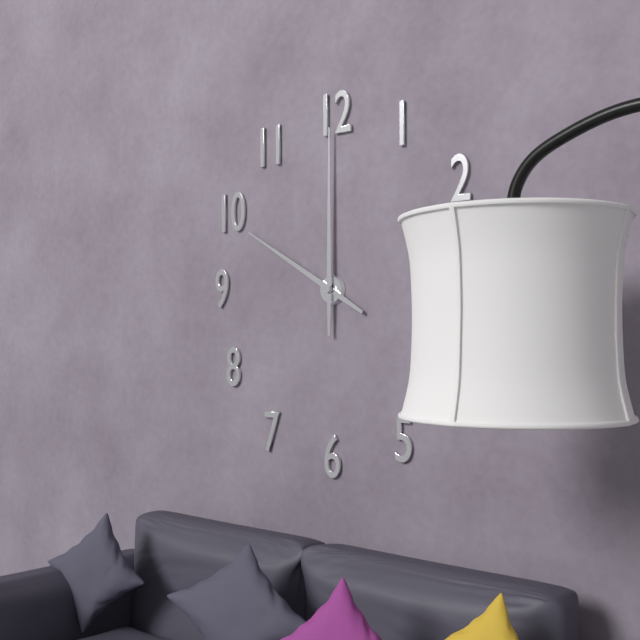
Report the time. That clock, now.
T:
10:00
